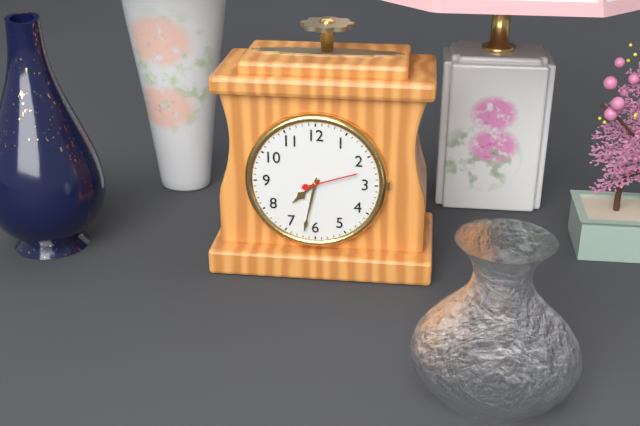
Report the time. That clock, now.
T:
7:32:12
